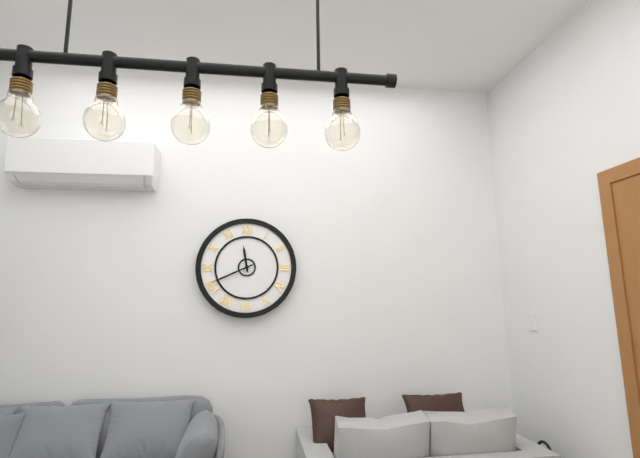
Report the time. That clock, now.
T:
11:41
